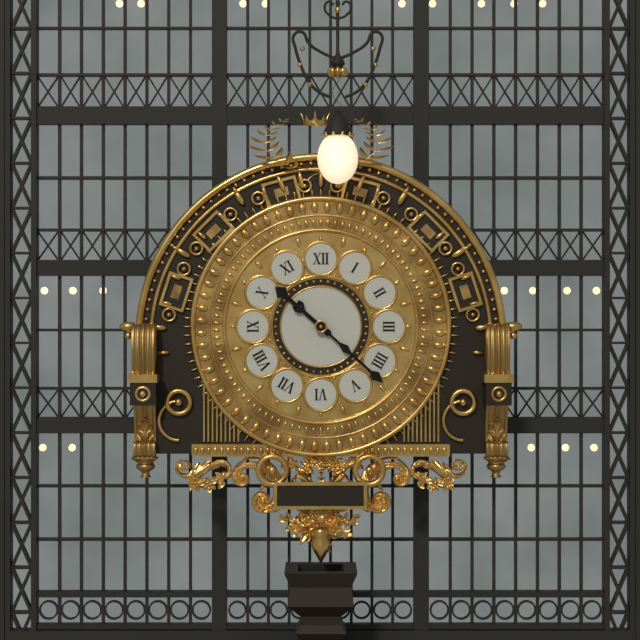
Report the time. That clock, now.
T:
10:22
